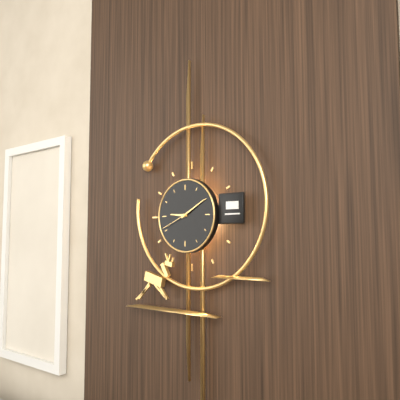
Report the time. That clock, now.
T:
9:10
